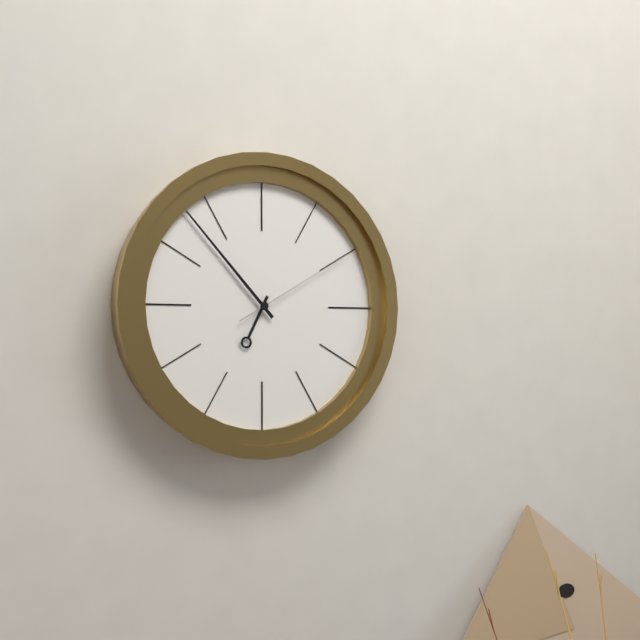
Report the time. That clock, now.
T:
6:53:10
